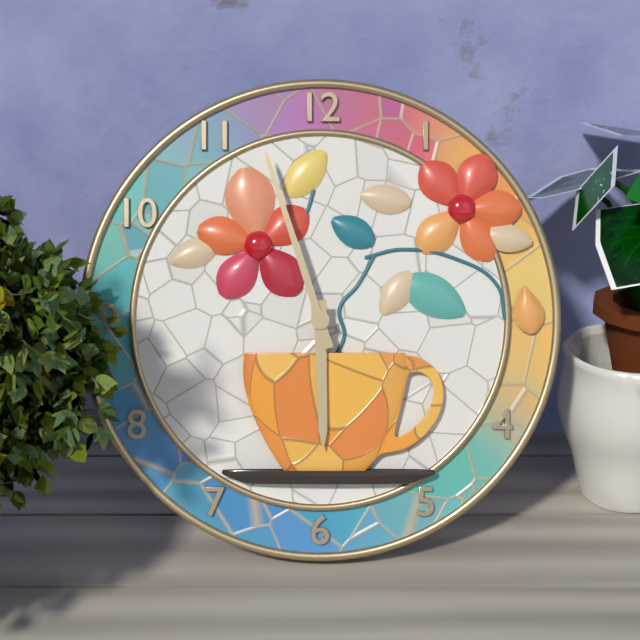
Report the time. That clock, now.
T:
5:57
